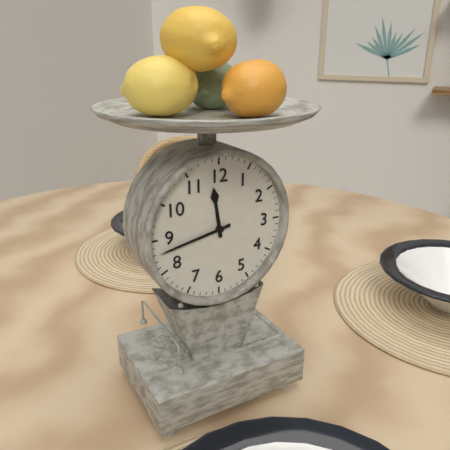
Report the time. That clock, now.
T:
11:43
